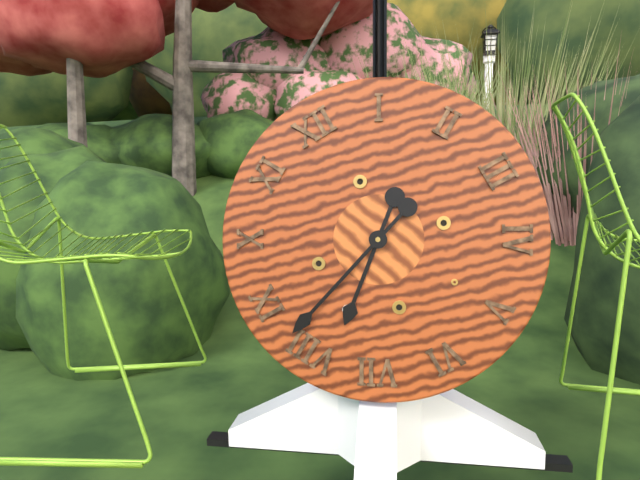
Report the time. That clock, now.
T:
7:42
